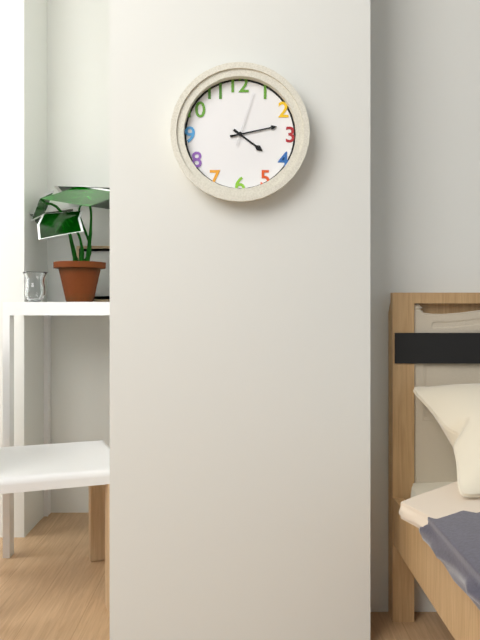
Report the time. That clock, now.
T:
4:13:03
